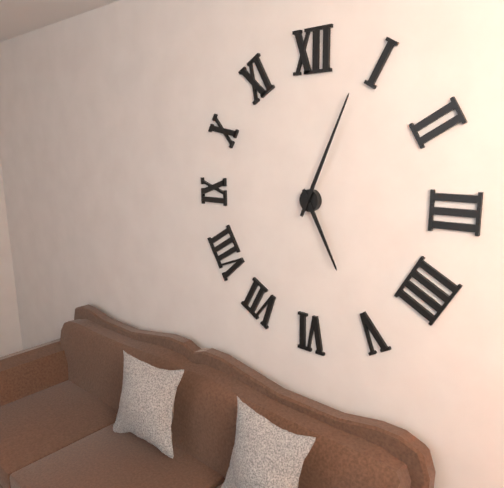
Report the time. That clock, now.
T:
5:04
